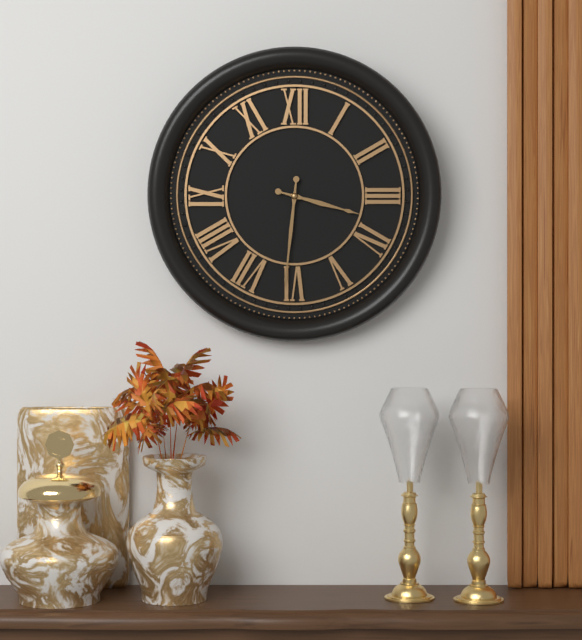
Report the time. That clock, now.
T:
3:31
